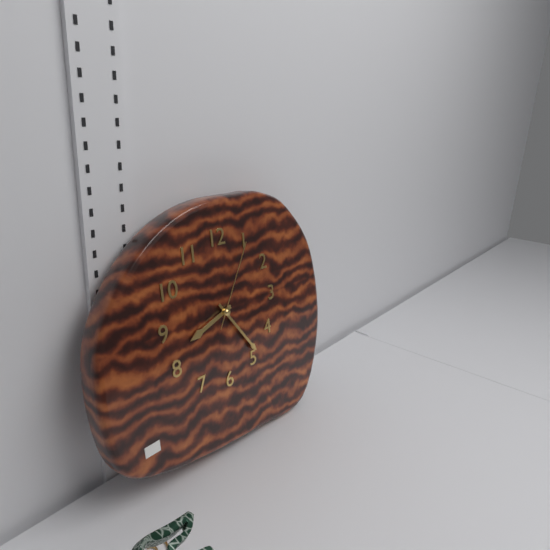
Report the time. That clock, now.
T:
8:24:05
